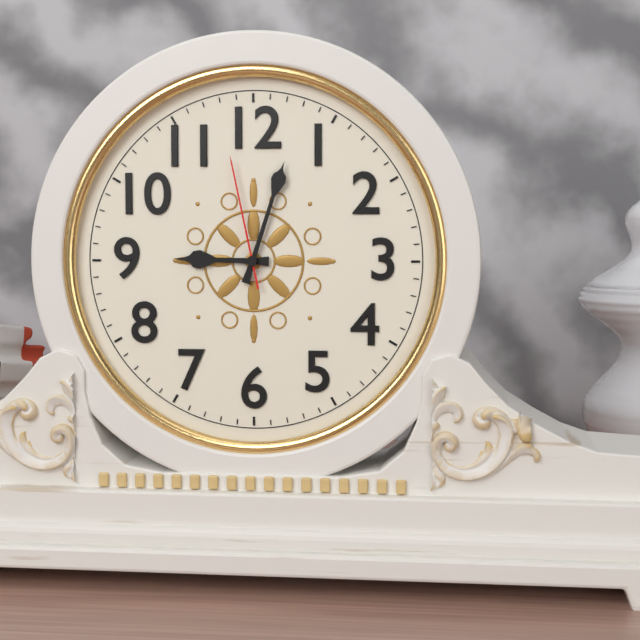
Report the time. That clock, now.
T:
9:03:58
